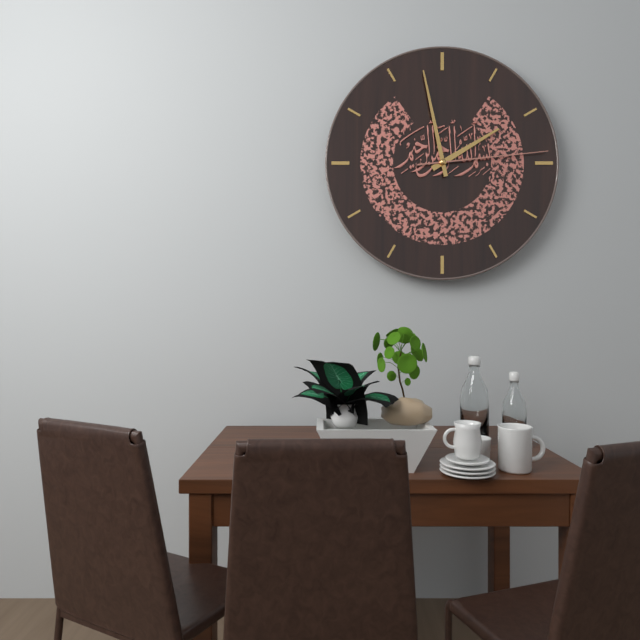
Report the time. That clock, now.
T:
1:58:14
